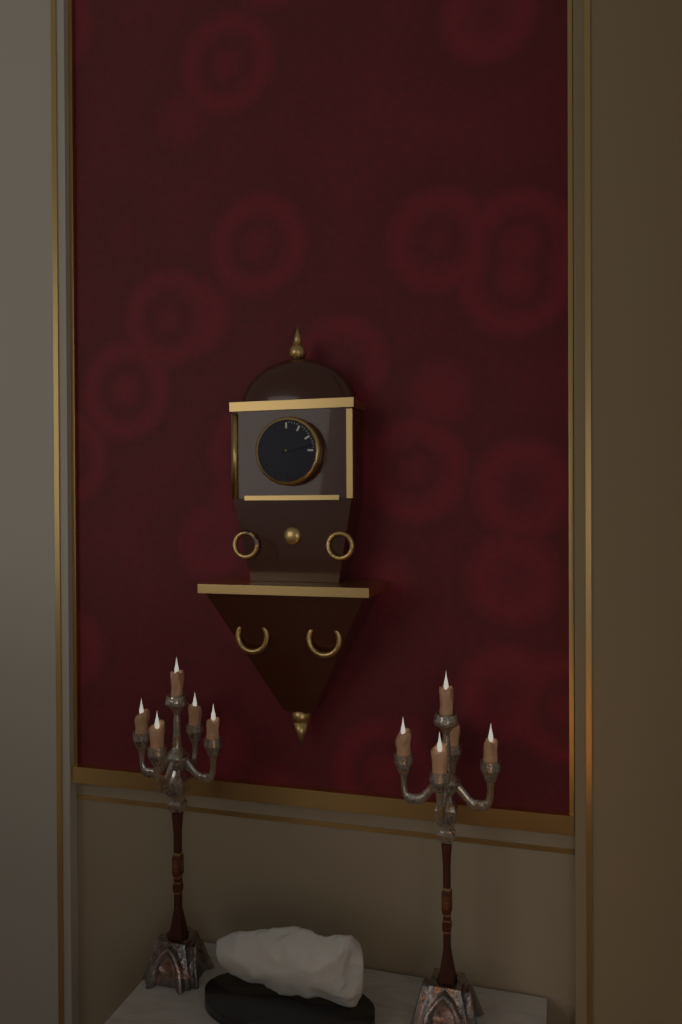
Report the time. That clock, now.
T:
3:13
